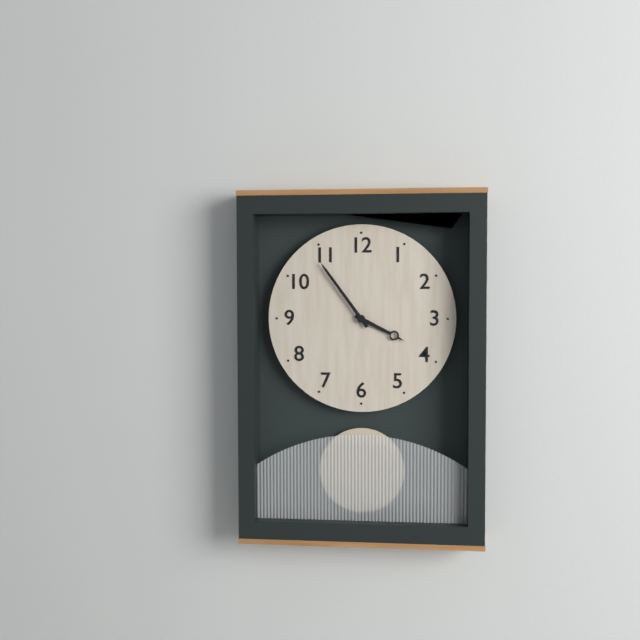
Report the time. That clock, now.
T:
3:54
